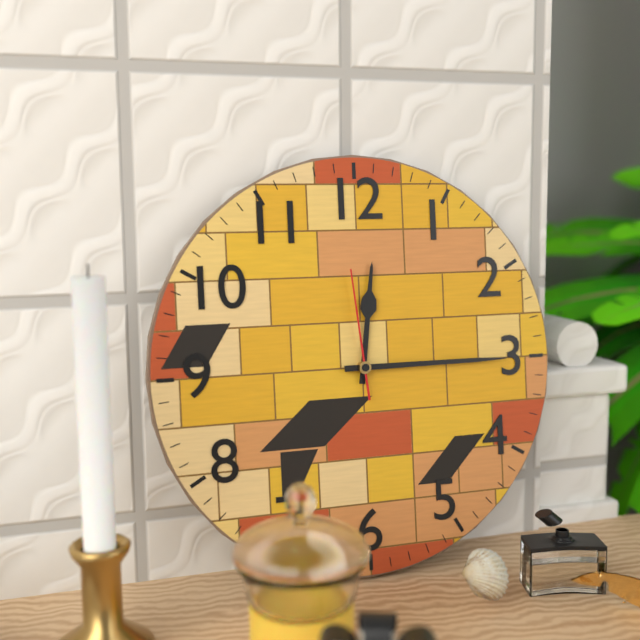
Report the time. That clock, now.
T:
12:15:59
